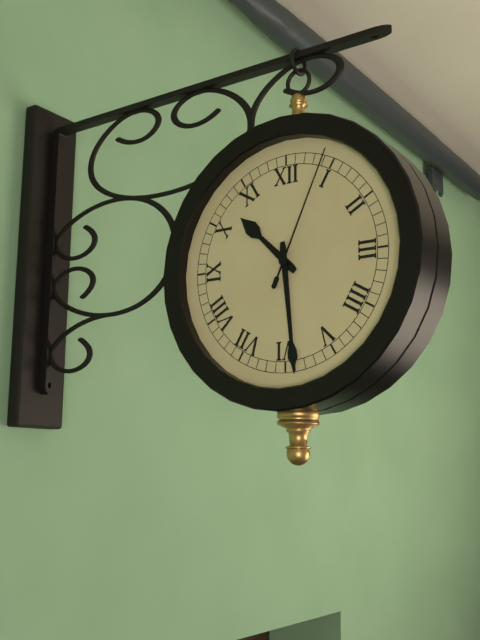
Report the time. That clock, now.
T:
10:29:04
